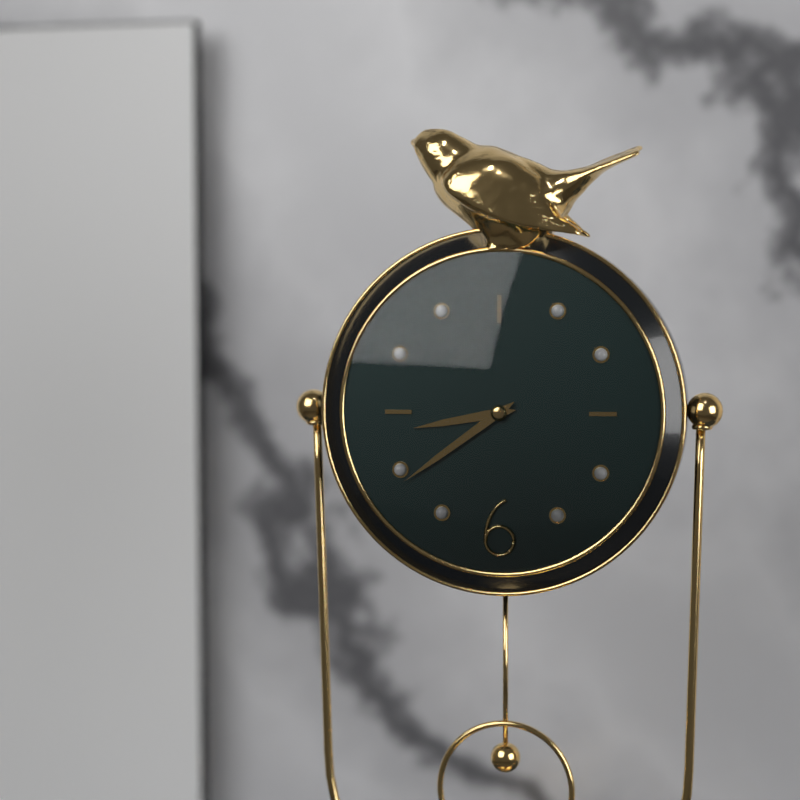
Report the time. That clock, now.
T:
8:39
